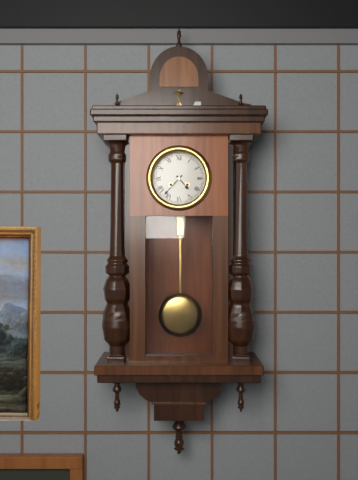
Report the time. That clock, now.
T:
4:37
